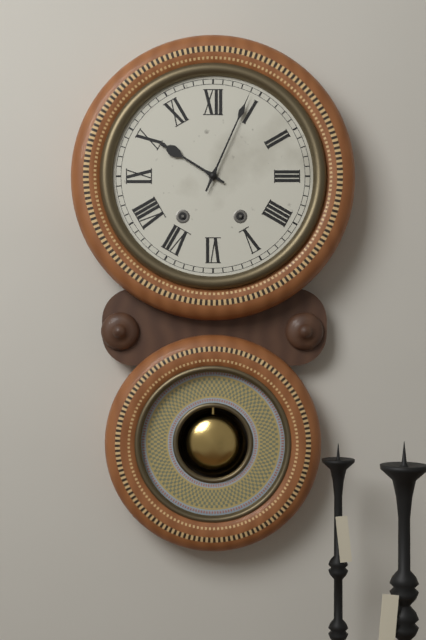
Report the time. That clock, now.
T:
10:04
